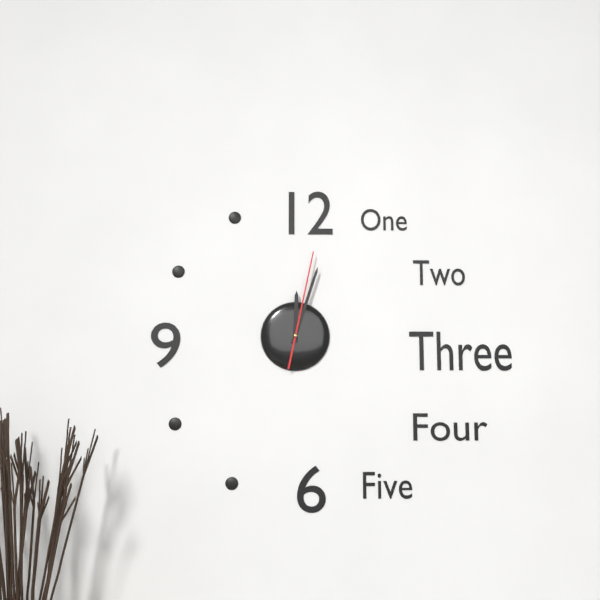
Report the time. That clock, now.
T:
12:03:02
